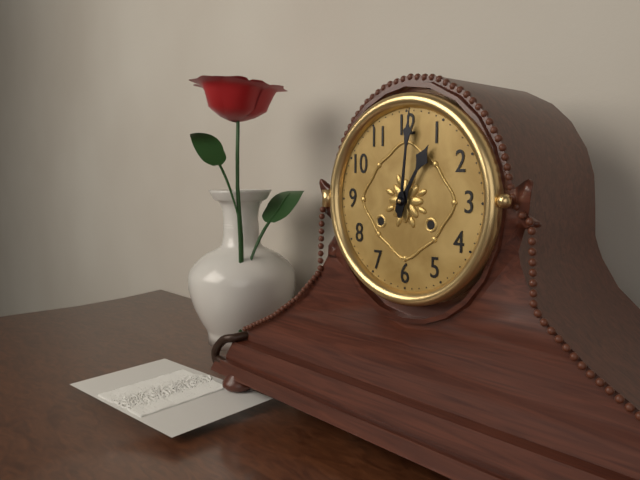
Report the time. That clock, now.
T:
1:01
